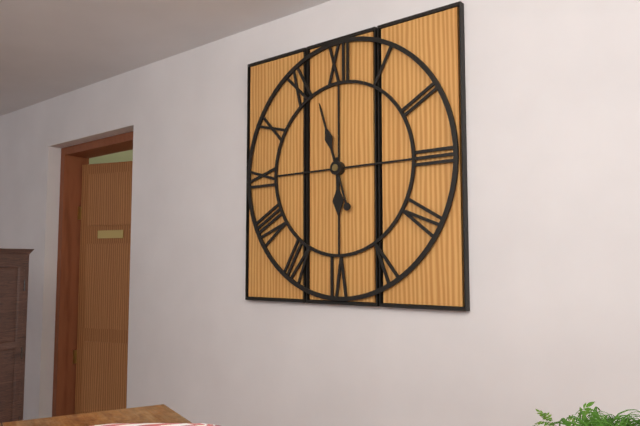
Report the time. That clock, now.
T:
5:57
